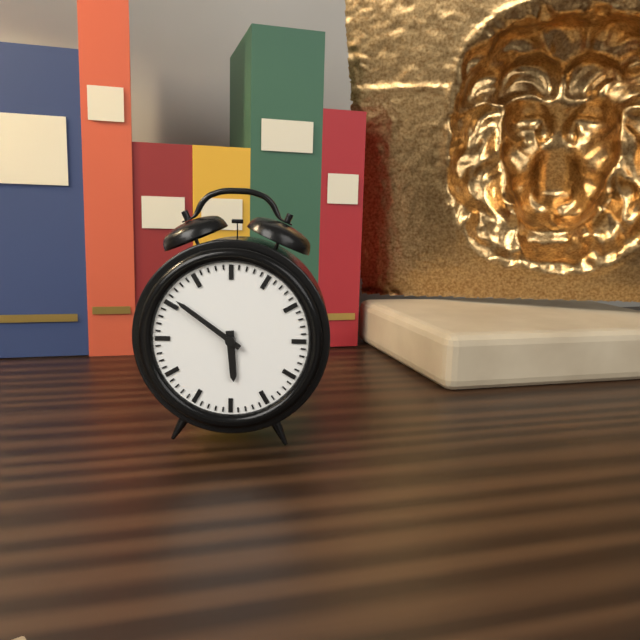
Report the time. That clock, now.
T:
5:51
